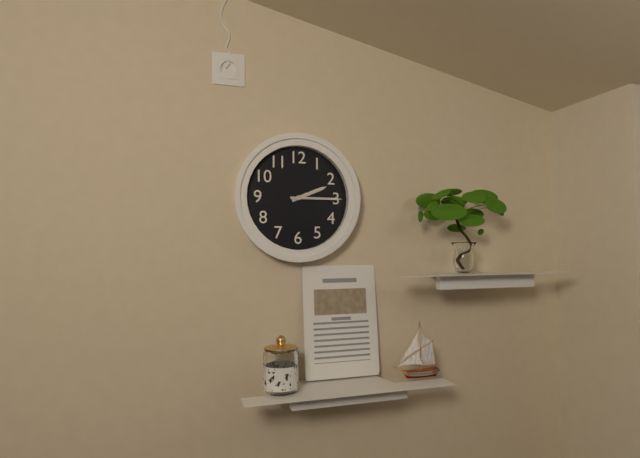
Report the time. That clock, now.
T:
2:15
